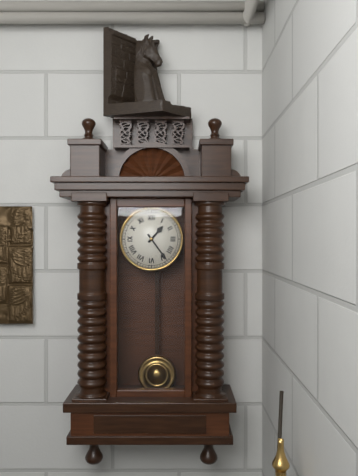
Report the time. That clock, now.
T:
1:24
